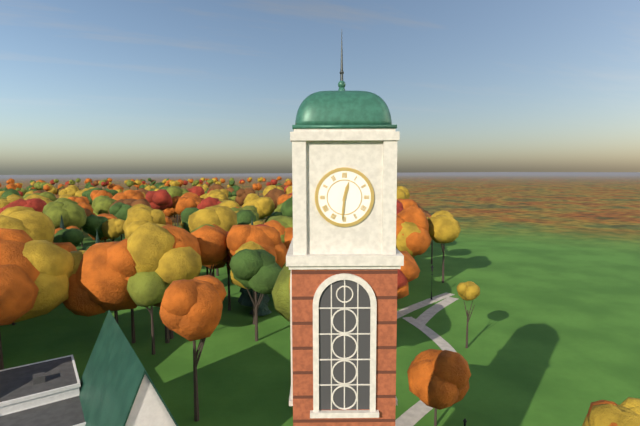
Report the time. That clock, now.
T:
12:31
